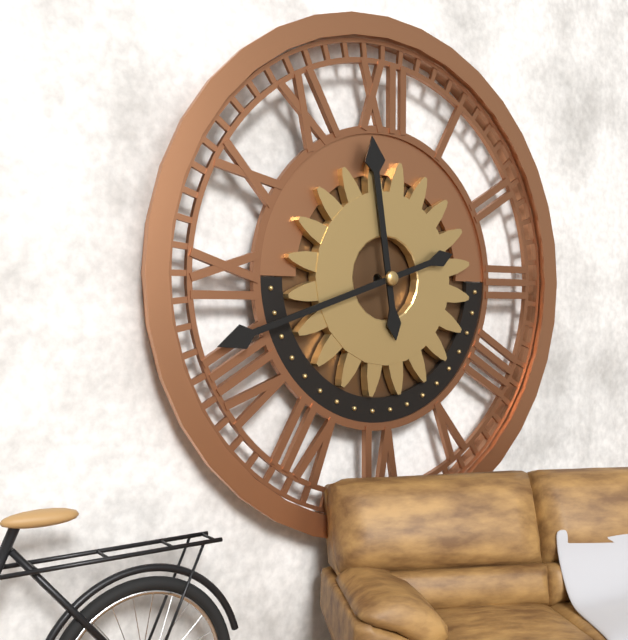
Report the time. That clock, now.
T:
11:42
